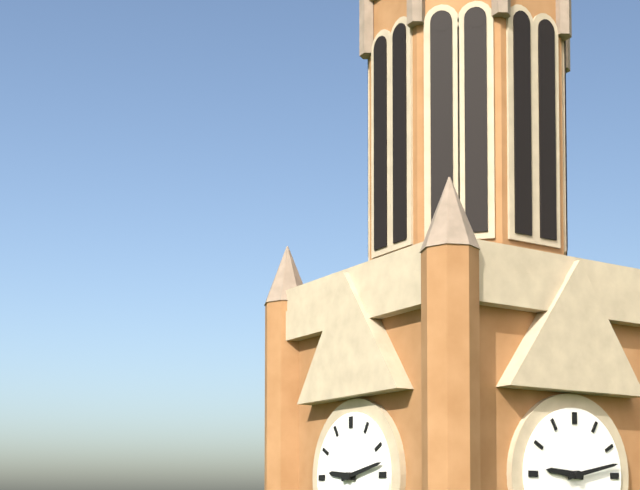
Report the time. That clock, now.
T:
9:13
